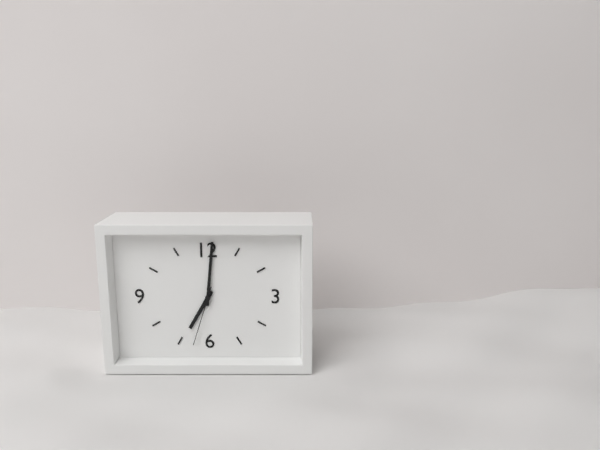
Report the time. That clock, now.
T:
7:01:33
